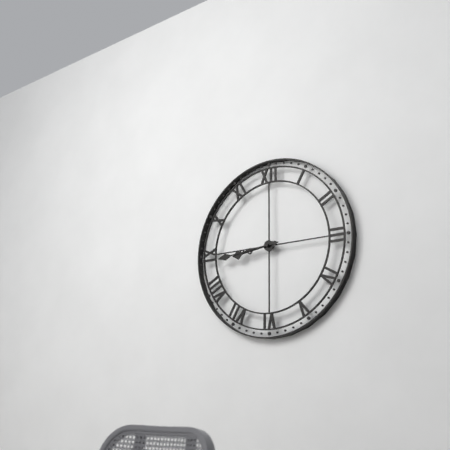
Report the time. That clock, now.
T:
8:44
